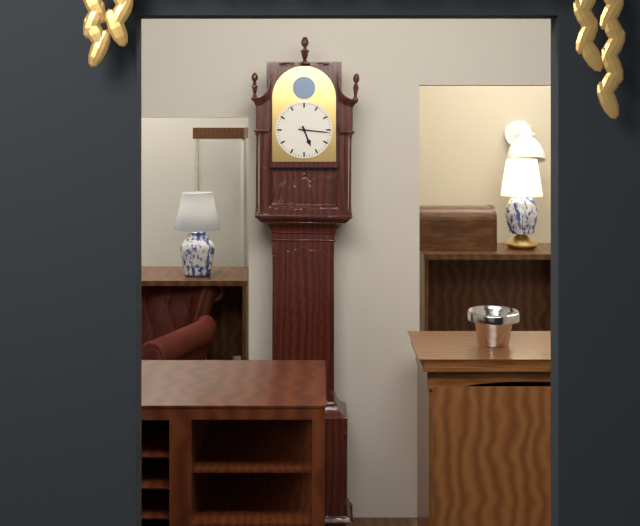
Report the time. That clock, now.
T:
5:16
